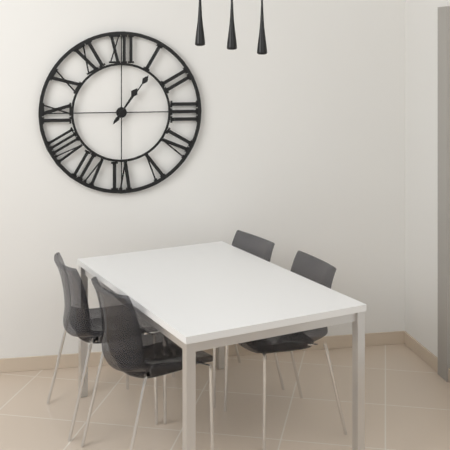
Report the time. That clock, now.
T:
1:06
